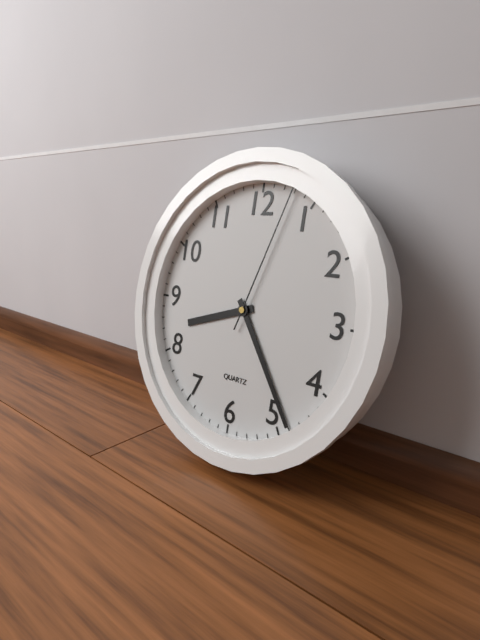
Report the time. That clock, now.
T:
8:24:03
